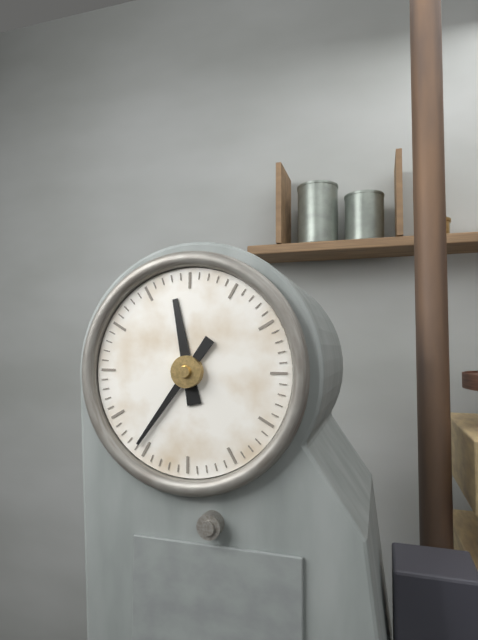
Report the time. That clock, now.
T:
11:36
